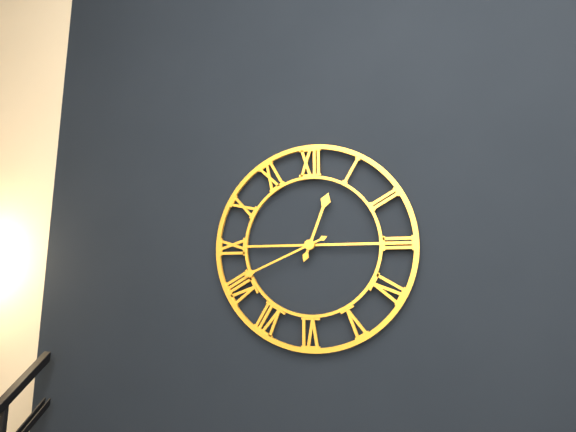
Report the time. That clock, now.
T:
12:41
